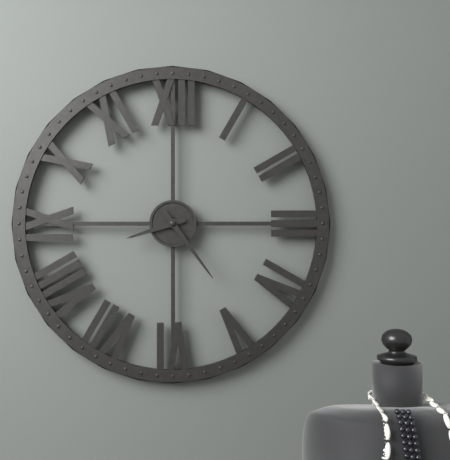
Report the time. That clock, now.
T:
8:24
